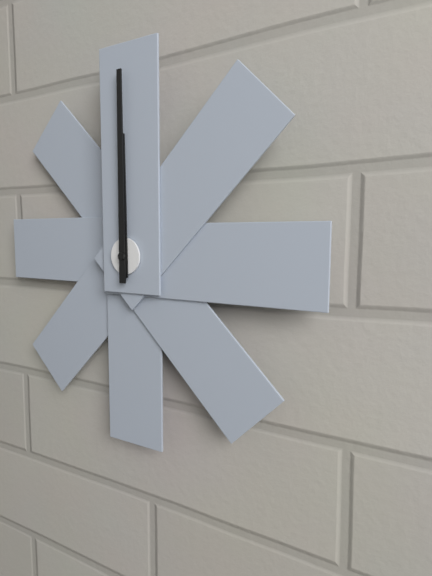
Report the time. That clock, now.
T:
12:00
